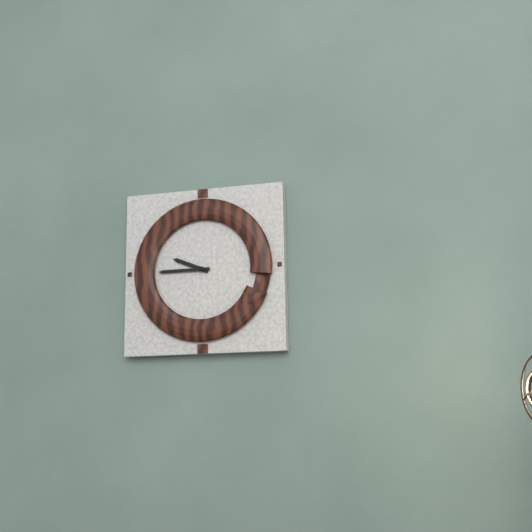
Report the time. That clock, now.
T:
9:45
